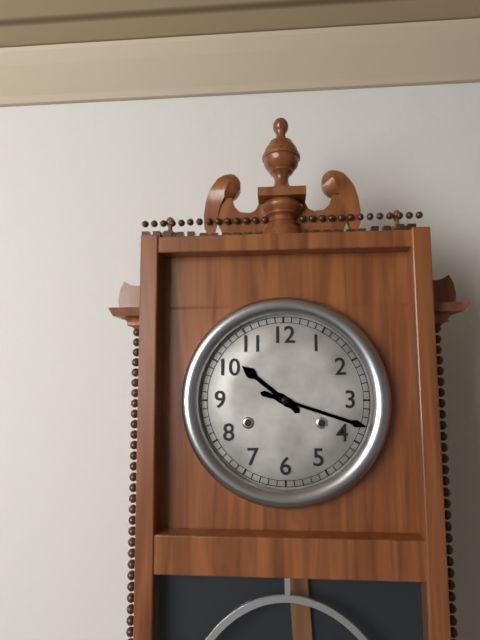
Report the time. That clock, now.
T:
10:18
